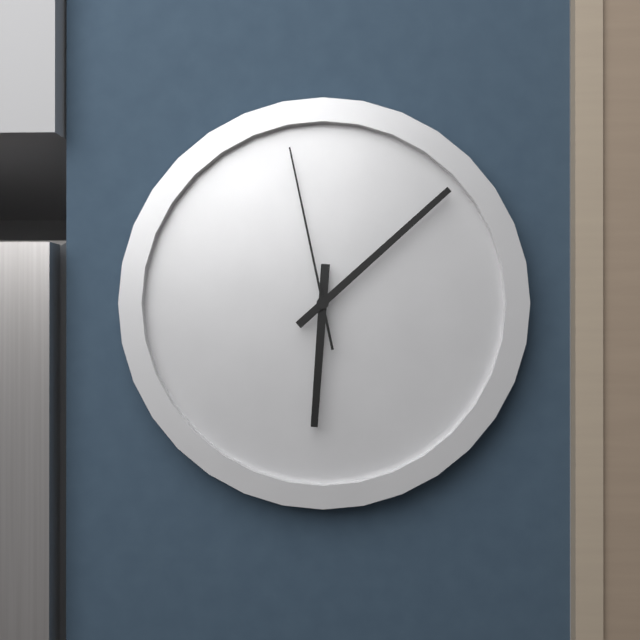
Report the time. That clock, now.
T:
6:08:58
